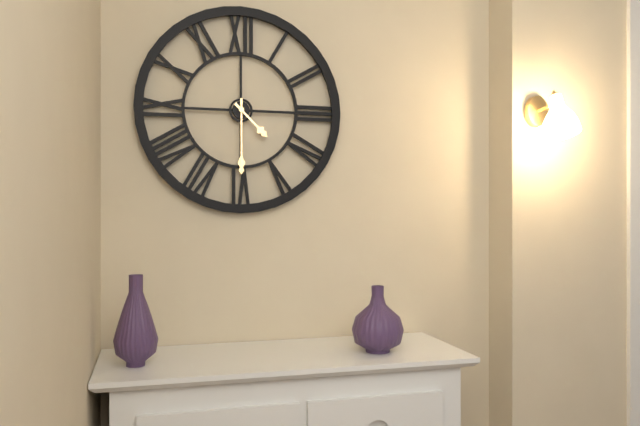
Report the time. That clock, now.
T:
4:30
